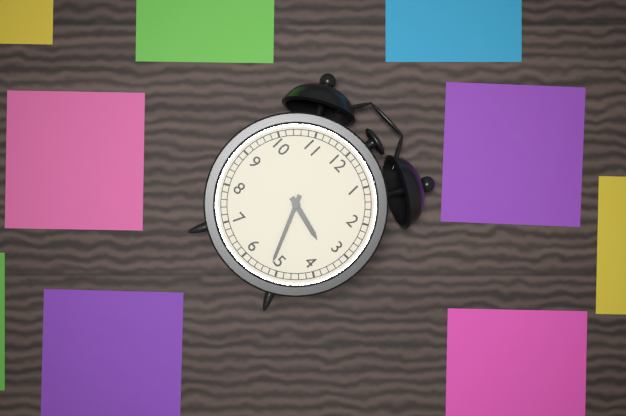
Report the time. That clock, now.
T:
3:26
